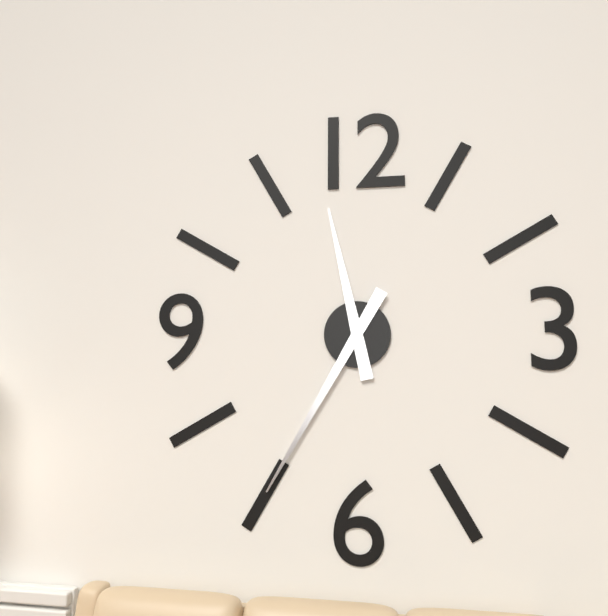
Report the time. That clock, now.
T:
11:35
